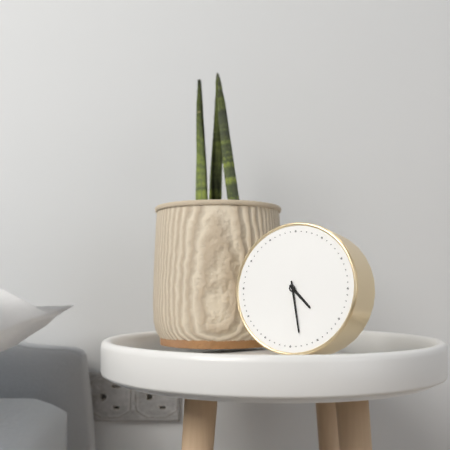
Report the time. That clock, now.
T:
4:28
